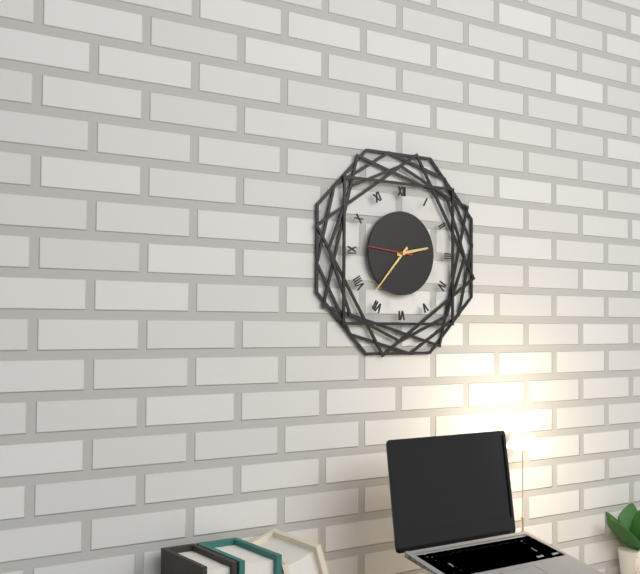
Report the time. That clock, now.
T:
2:37
